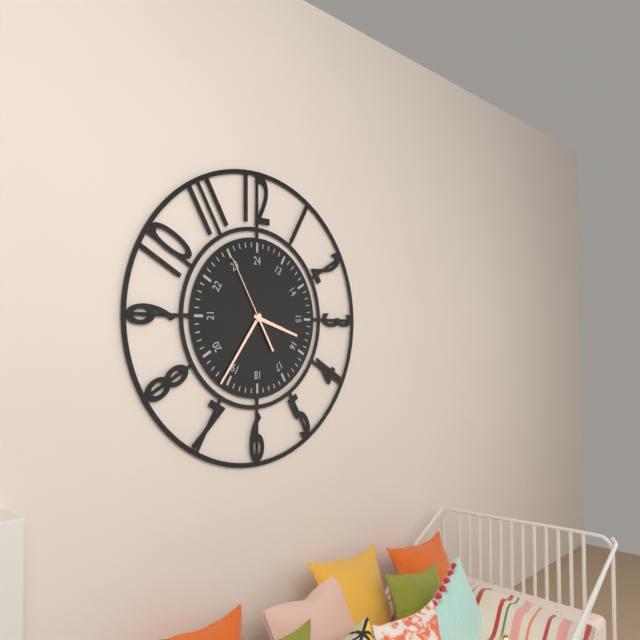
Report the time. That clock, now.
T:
3:36:55
